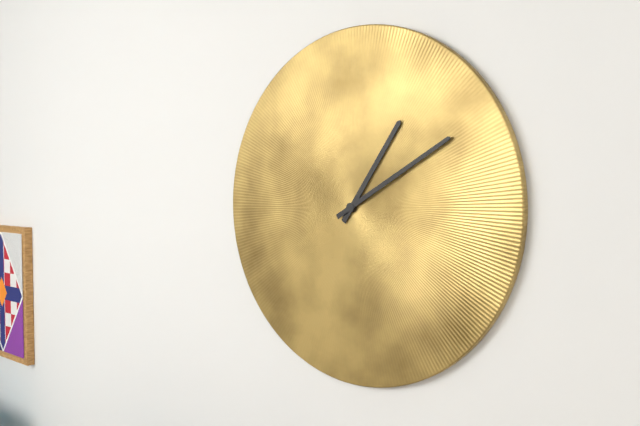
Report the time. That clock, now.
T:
1:10
